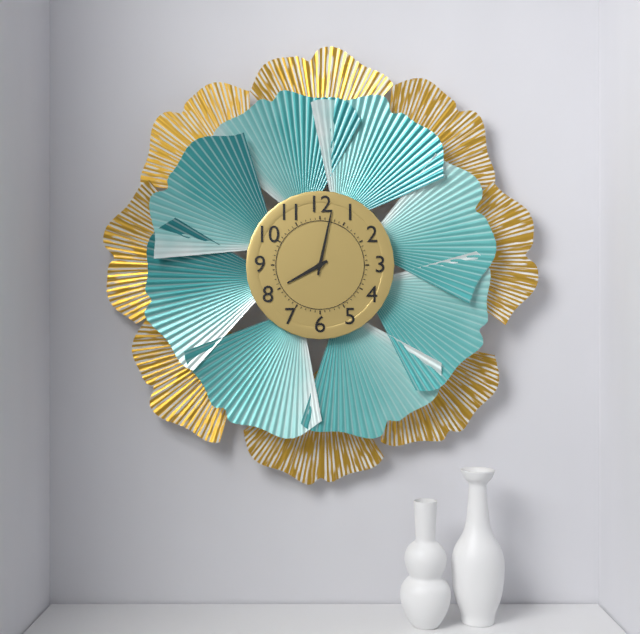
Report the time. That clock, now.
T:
8:02
